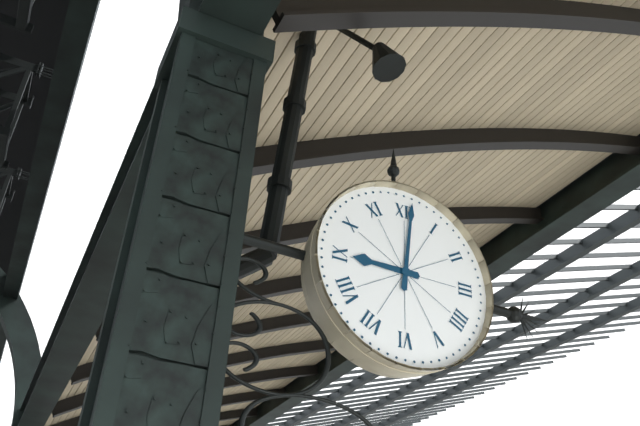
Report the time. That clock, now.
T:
9:01
